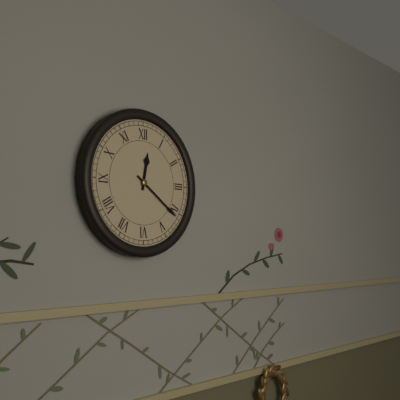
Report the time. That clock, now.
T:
12:21
